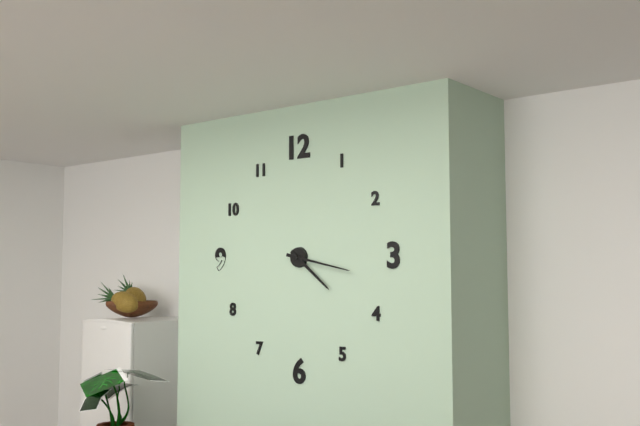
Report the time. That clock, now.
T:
4:17
